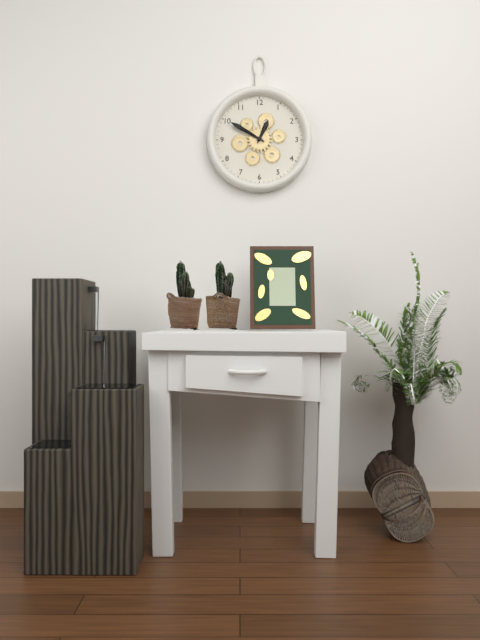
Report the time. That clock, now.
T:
12:50
